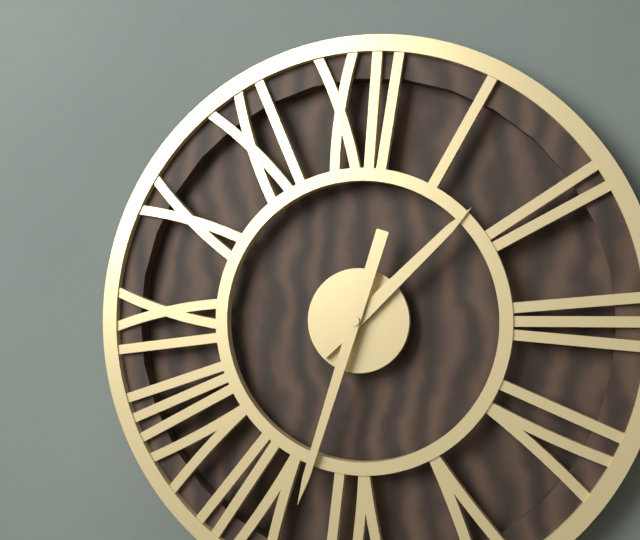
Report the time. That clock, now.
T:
1:33
